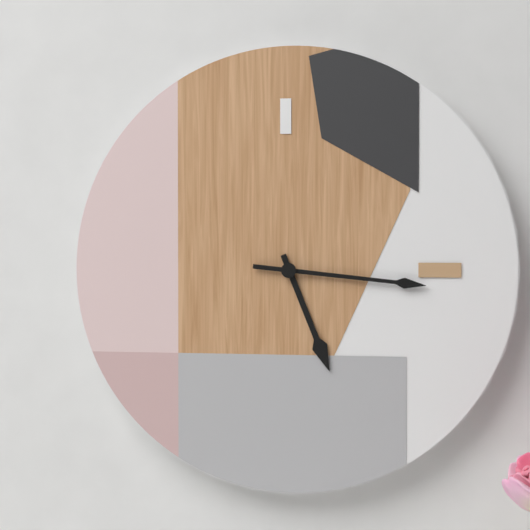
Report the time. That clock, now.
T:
5:16
